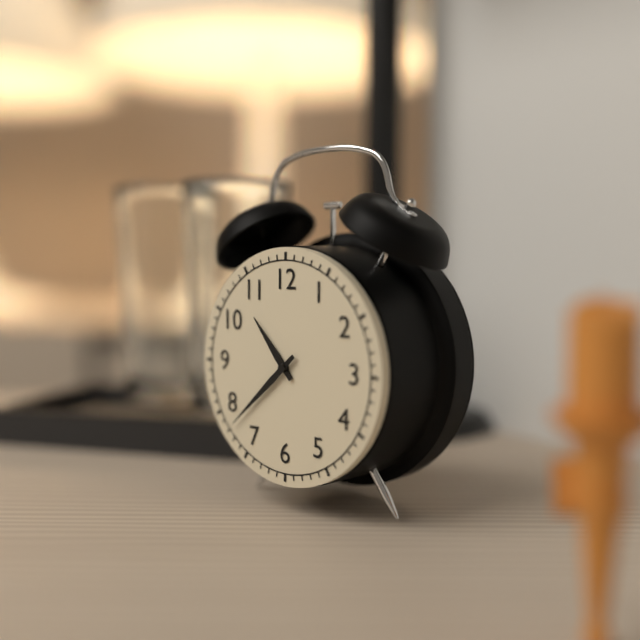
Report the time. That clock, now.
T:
10:38
